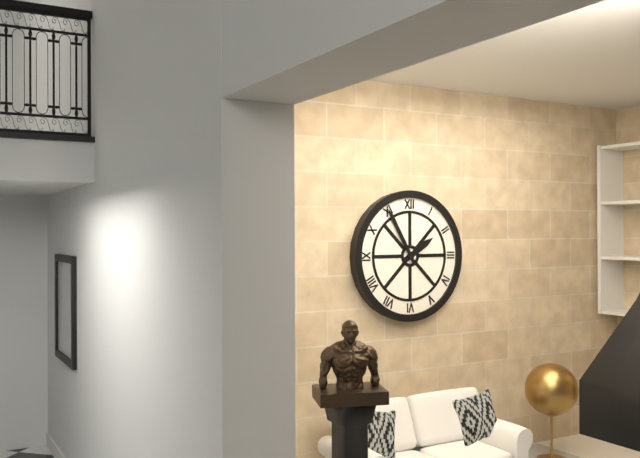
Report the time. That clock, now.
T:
1:55
